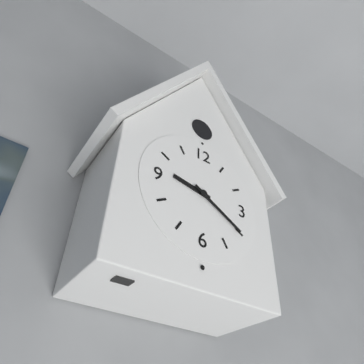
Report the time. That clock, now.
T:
9:20
